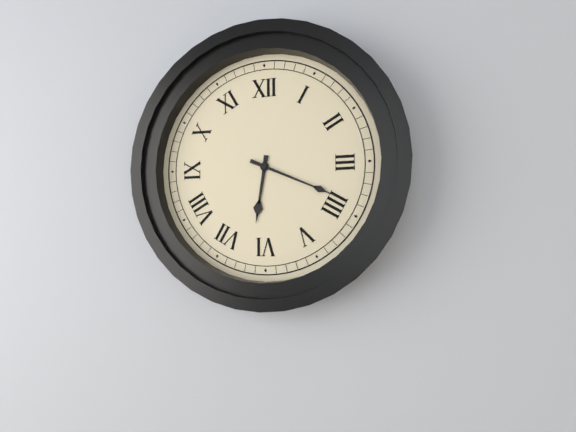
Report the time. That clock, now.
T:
6:19
